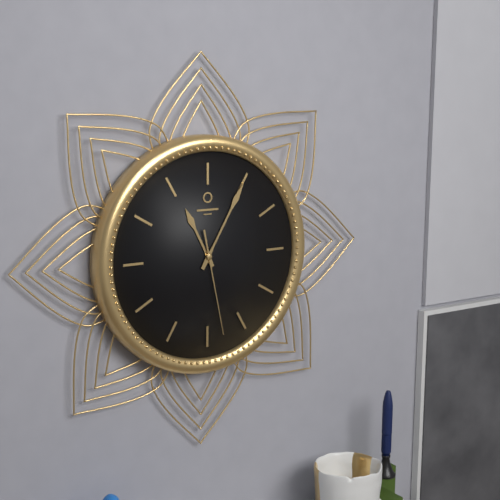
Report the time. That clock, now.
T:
11:05:28
